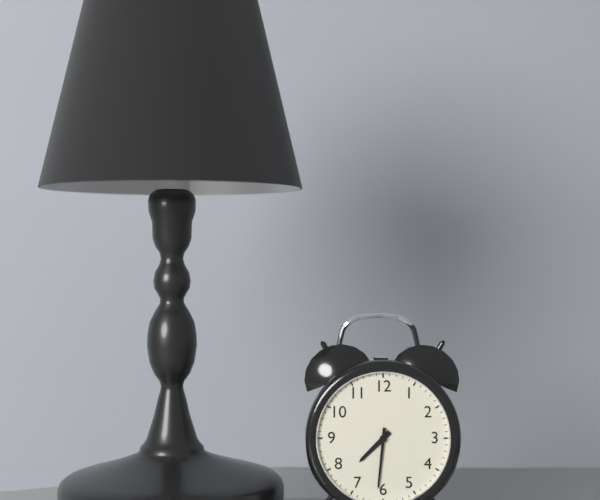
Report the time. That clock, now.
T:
7:31
